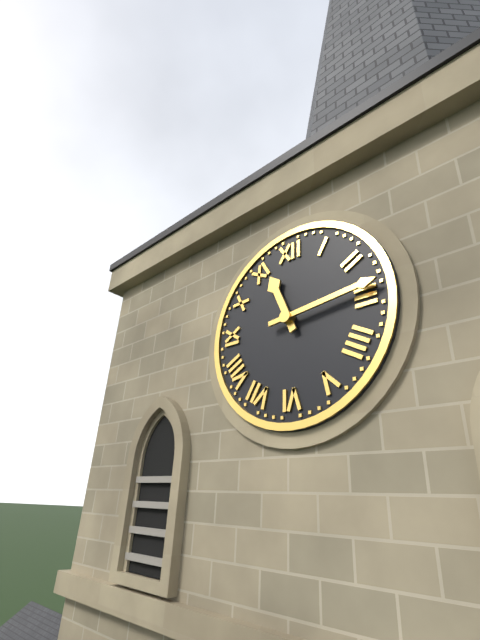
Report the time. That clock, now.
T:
11:14
